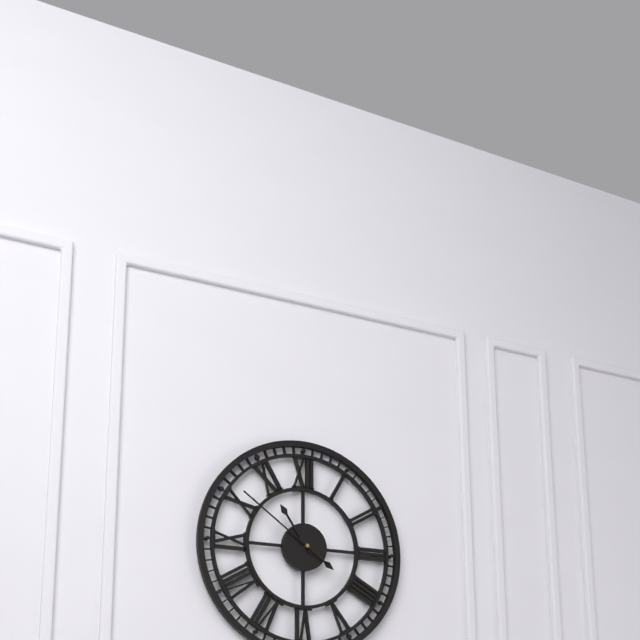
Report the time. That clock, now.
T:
10:51
